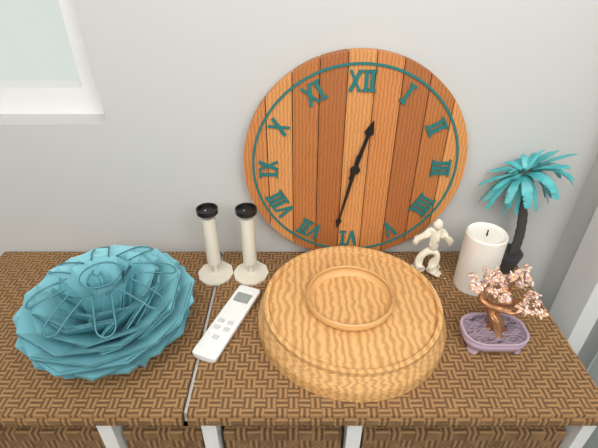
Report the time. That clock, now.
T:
12:32
